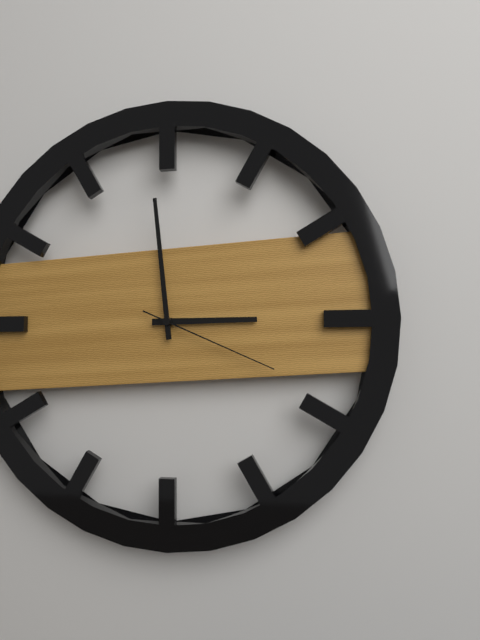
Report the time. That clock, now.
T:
2:59:19
